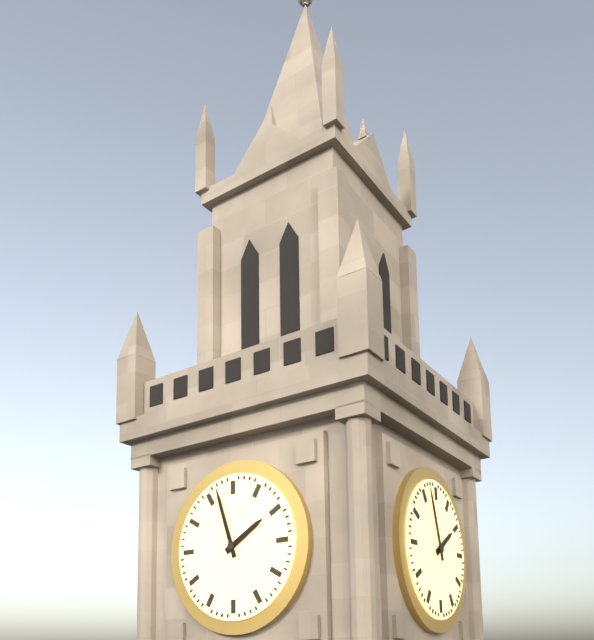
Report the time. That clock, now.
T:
1:57
